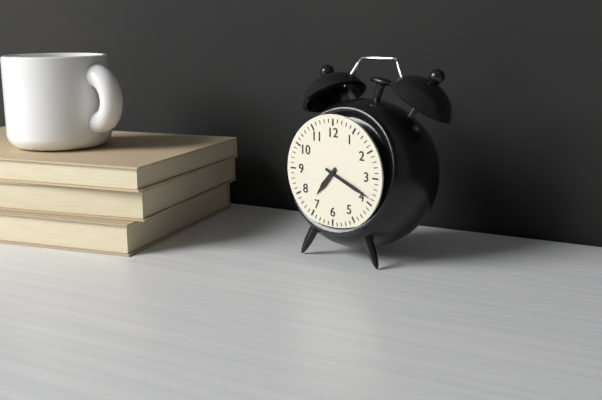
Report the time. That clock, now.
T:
7:19
